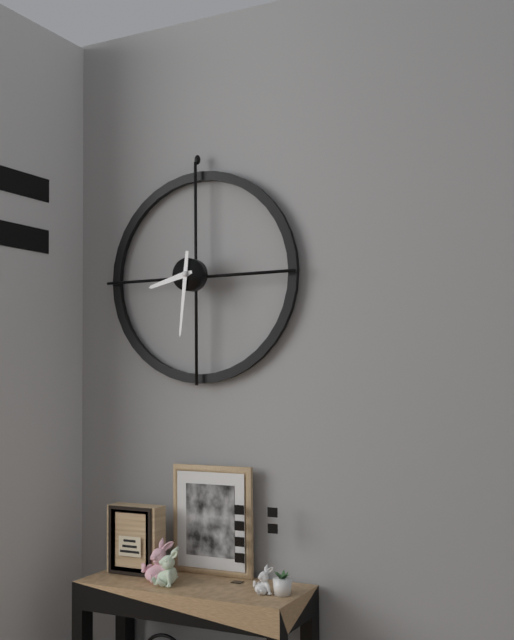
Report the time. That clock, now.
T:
8:31
